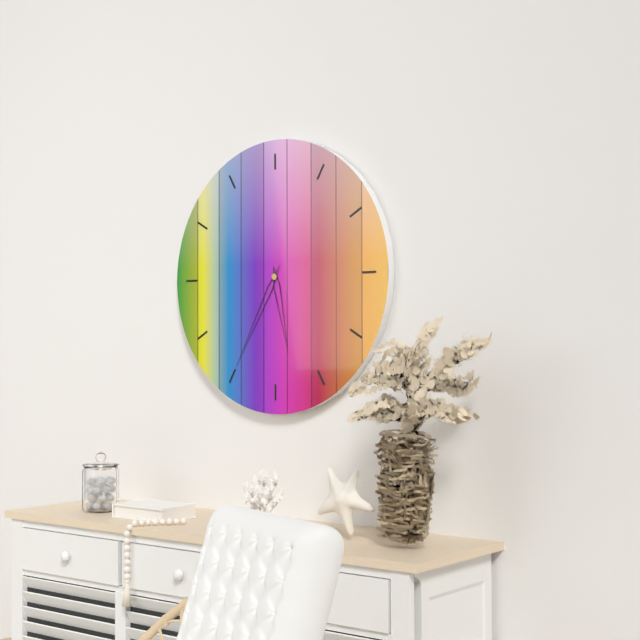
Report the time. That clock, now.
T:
5:35
